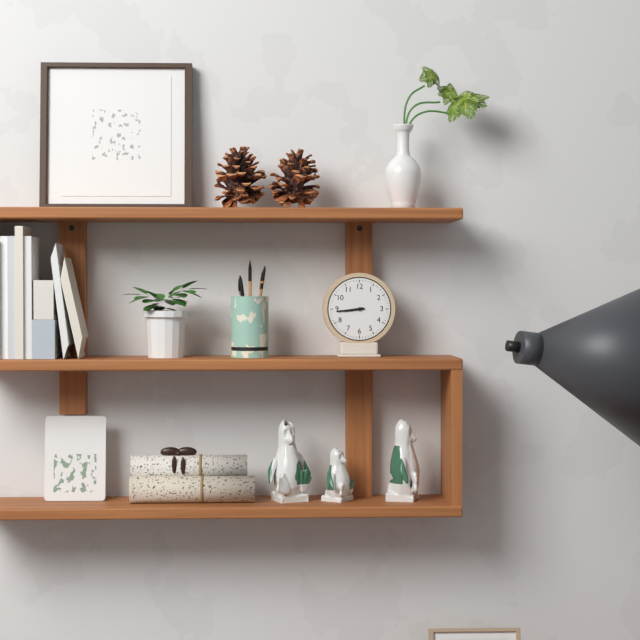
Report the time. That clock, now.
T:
8:44
